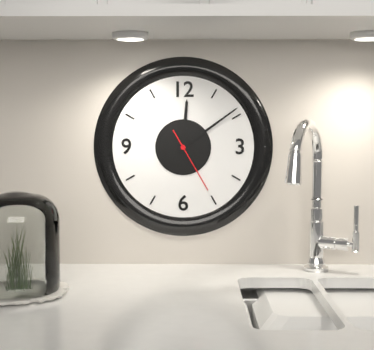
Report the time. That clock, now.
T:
12:09:25
